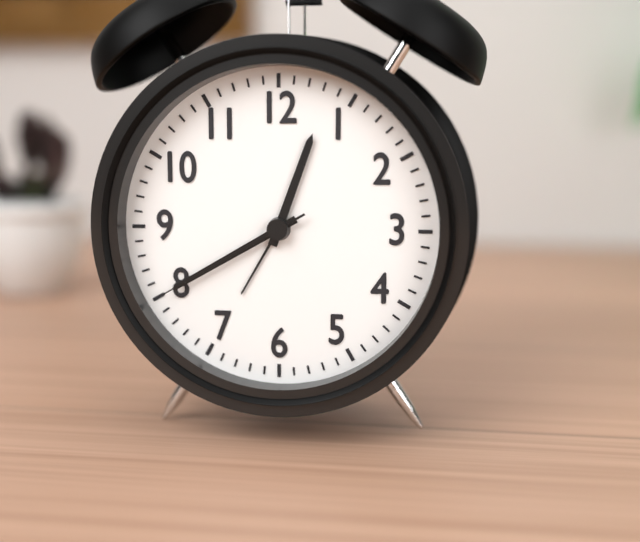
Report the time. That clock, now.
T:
12:40:40
